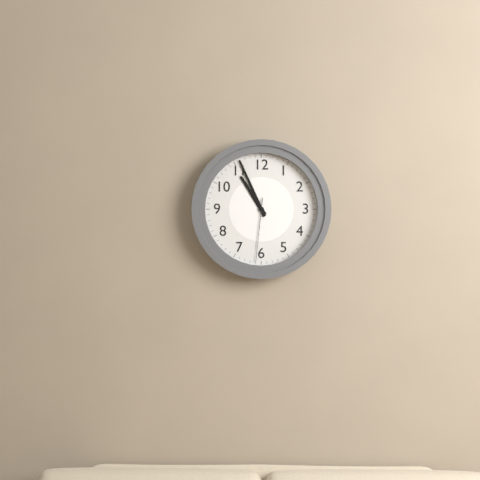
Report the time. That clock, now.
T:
10:56:31
